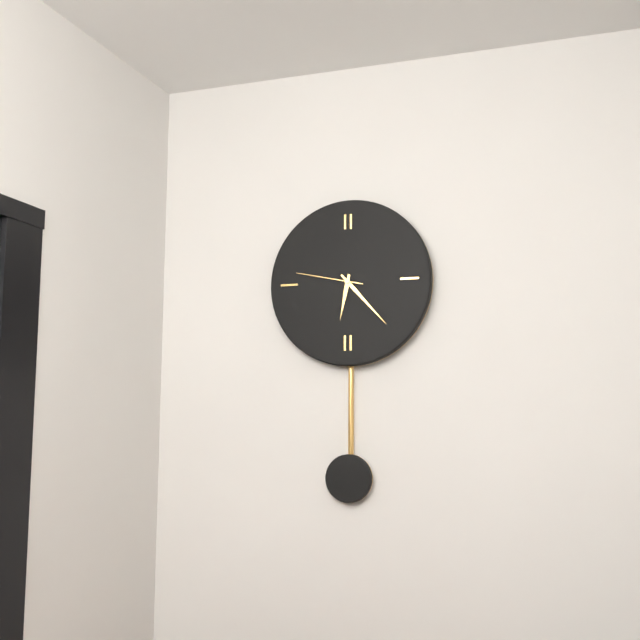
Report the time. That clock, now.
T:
6:23:47
